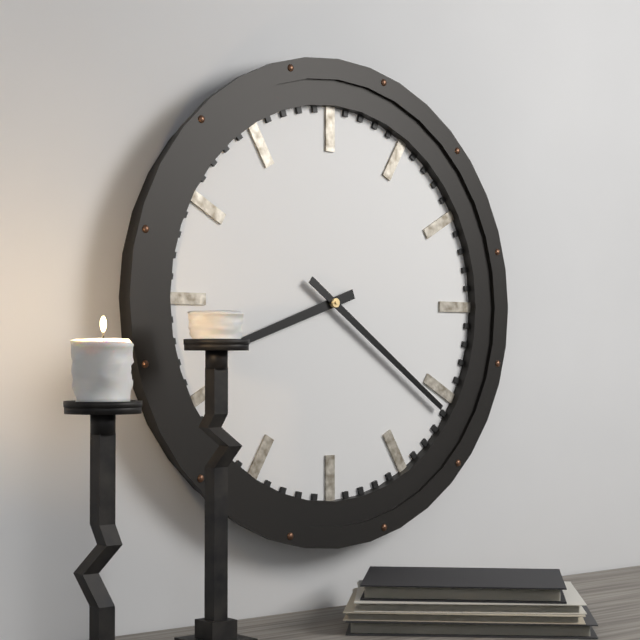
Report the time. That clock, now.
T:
8:21
